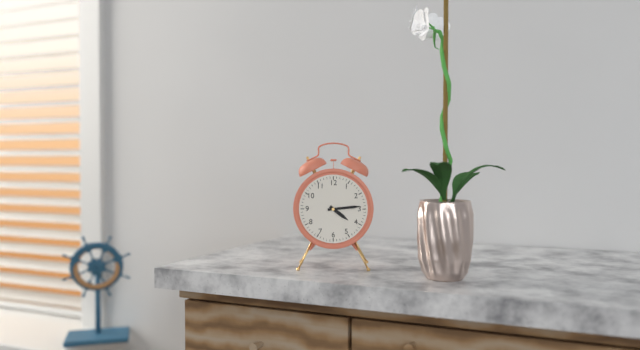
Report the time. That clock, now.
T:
4:14
